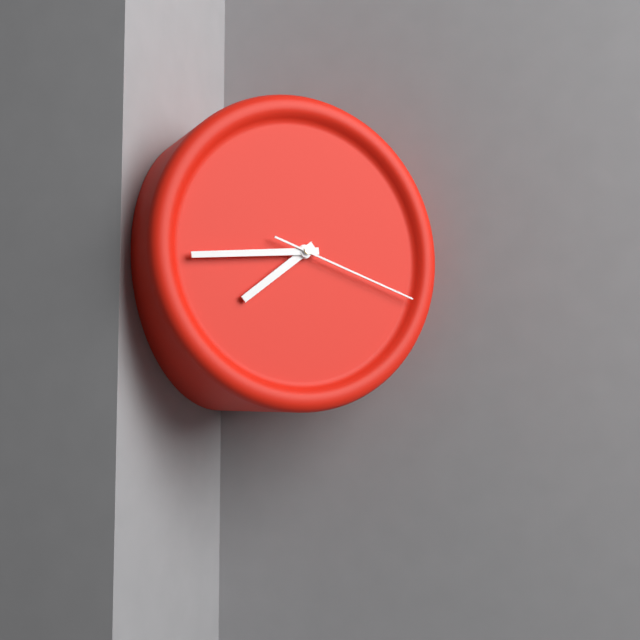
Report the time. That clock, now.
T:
7:44:18
